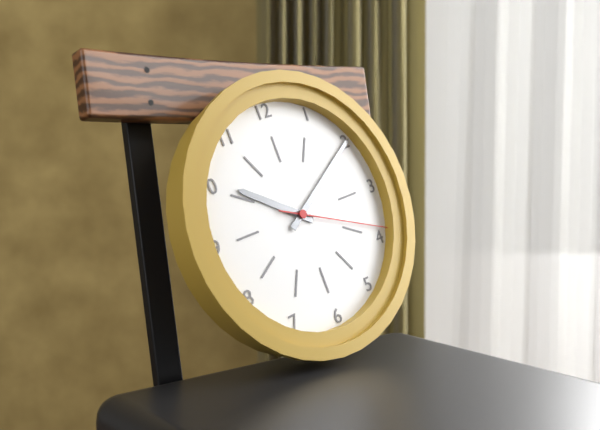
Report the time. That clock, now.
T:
10:10:19
